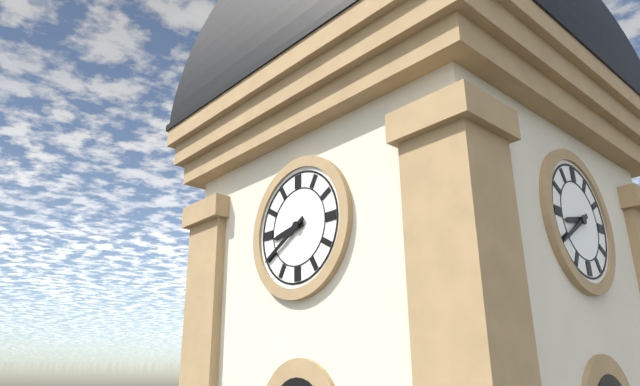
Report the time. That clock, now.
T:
8:40
